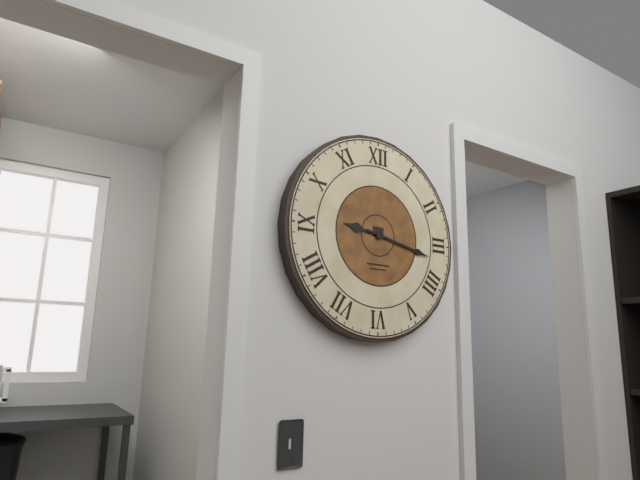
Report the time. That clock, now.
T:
9:17
